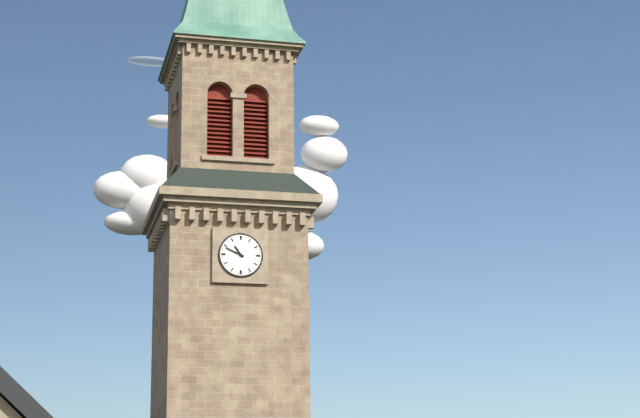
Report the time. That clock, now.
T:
10:49
